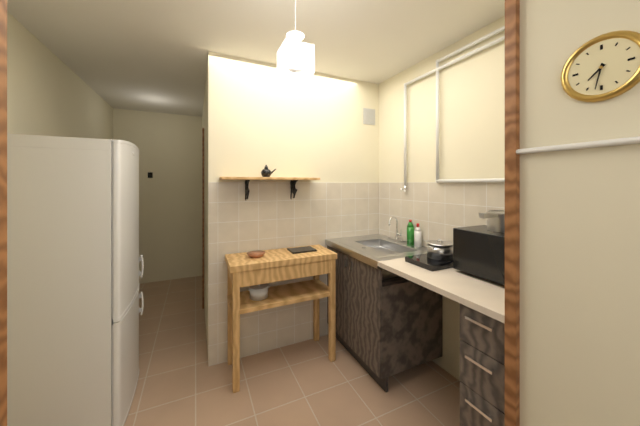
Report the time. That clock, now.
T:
7:32
